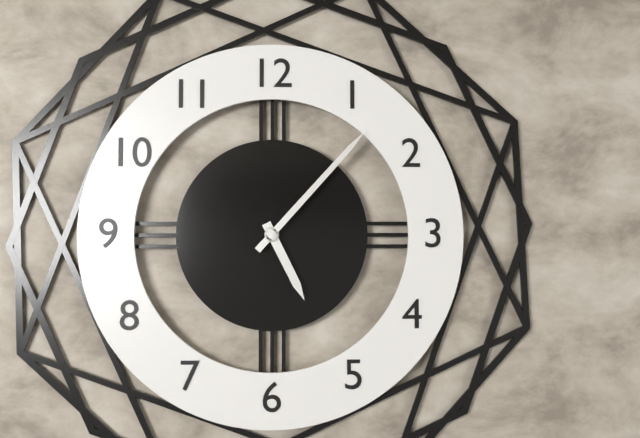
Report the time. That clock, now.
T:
5:07
